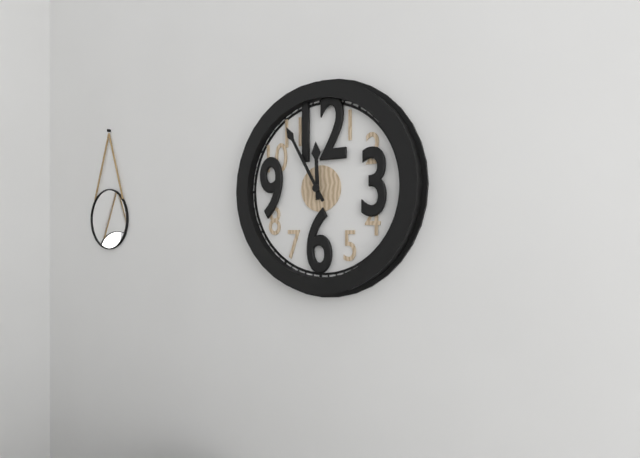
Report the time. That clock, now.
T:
11:55
